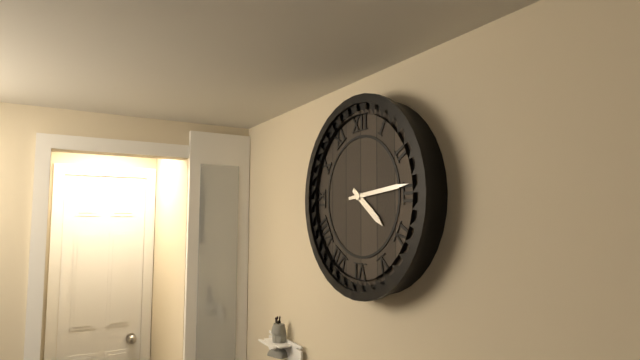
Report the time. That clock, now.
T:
4:14
